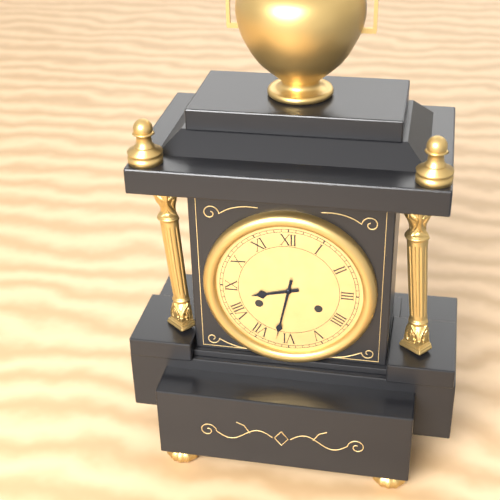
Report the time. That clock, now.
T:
8:32
